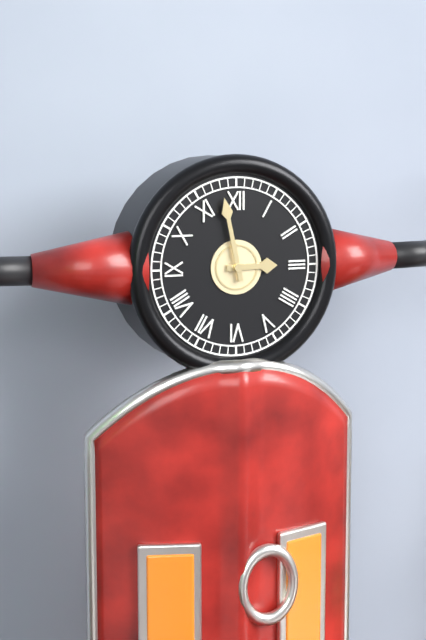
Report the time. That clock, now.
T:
2:58
